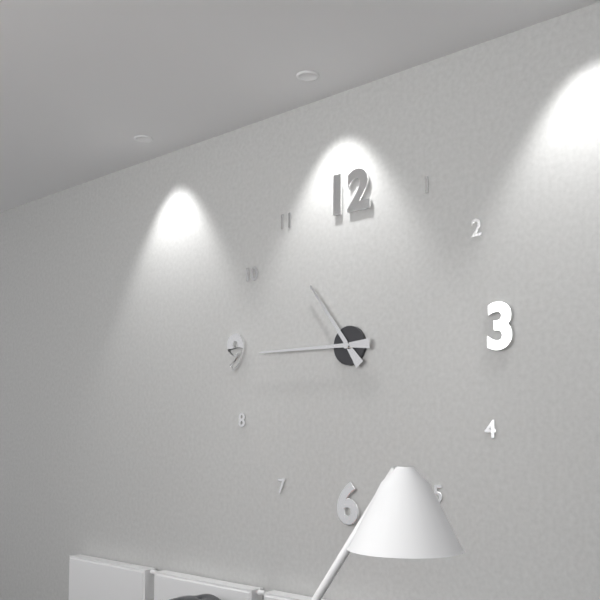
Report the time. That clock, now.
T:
10:45
